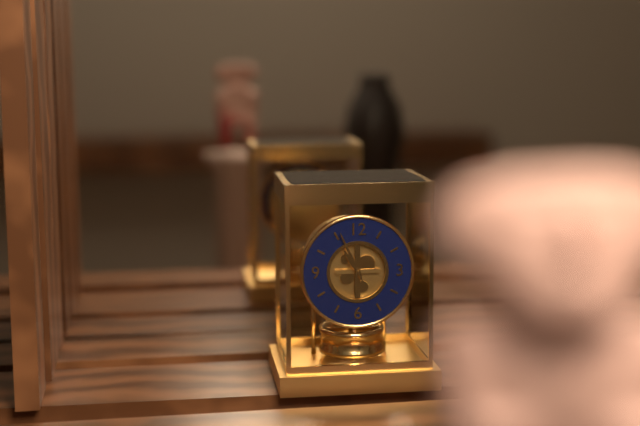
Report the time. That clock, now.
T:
10:56
